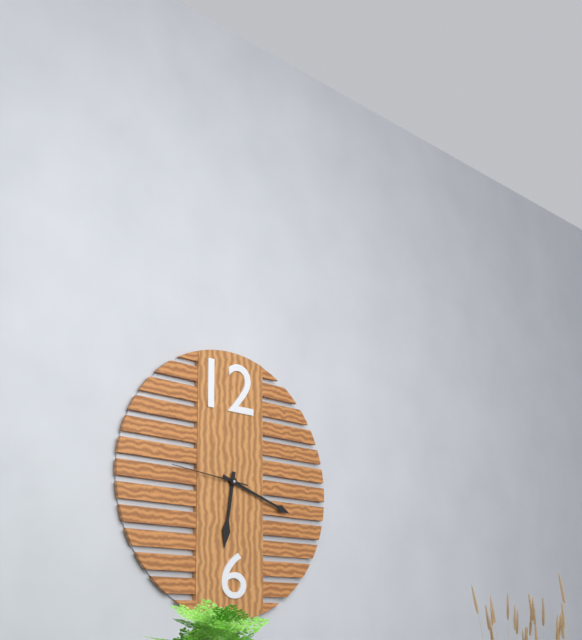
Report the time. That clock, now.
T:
6:18:46
